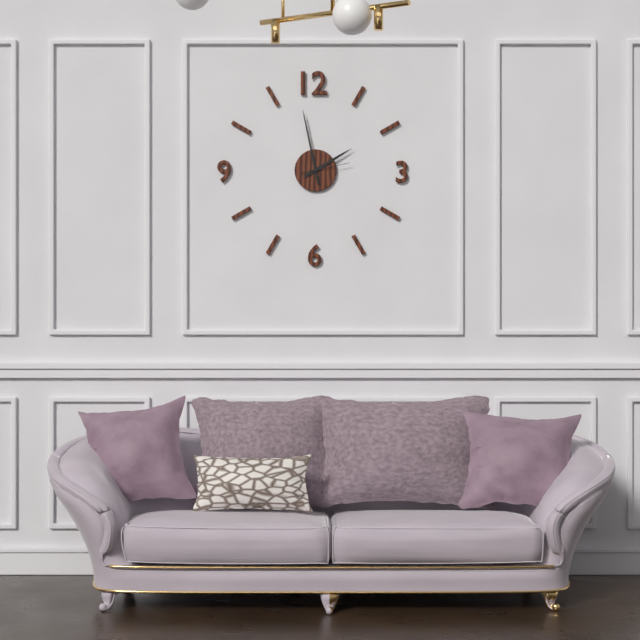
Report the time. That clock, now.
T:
1:58
